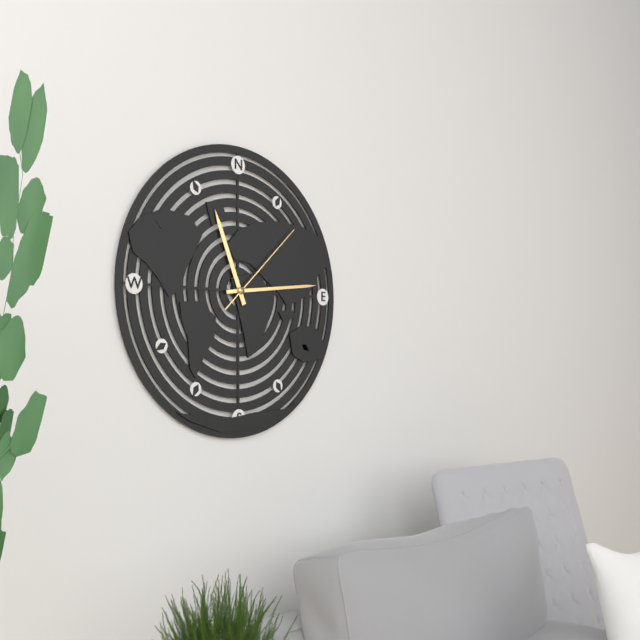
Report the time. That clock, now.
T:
11:14:08
